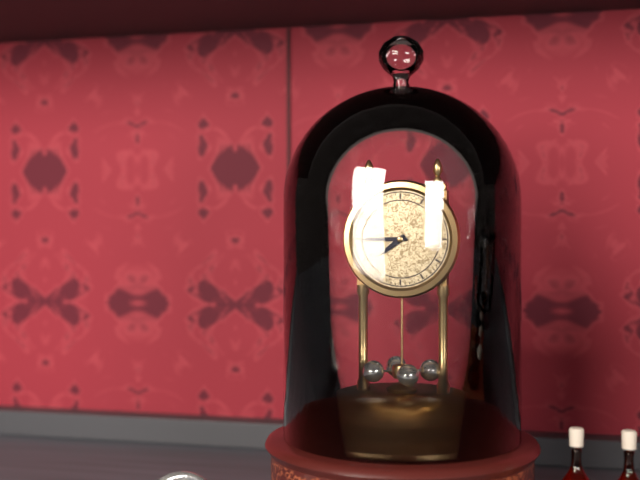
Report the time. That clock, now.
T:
7:45
